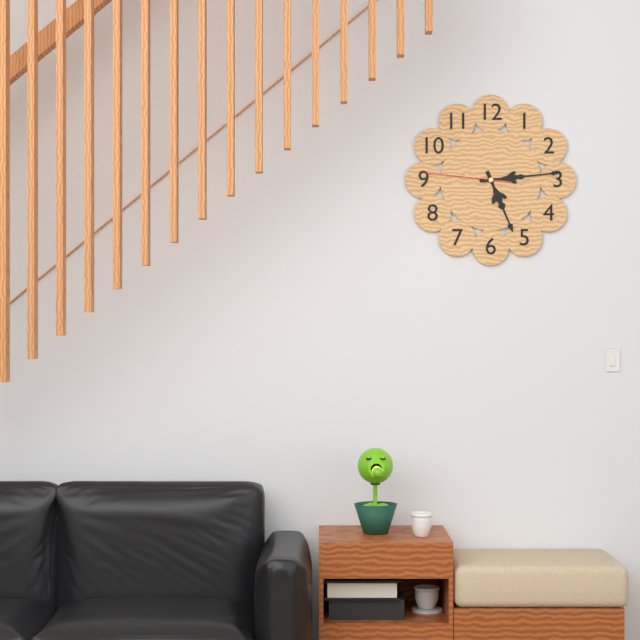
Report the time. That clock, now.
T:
5:14:46
